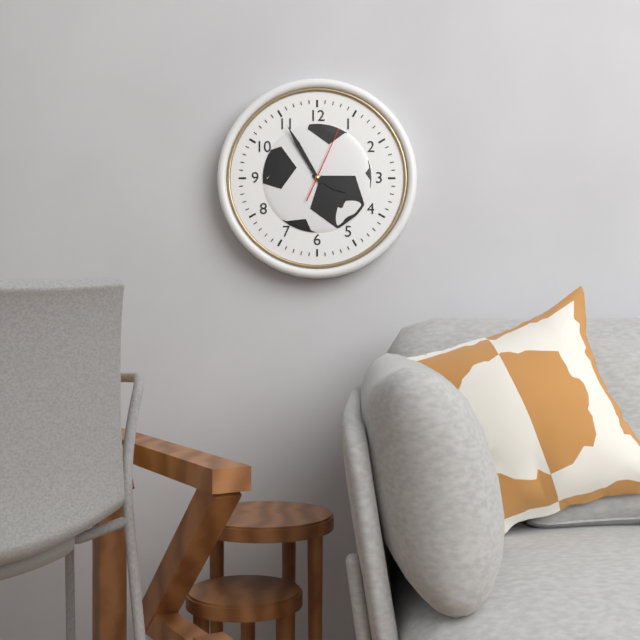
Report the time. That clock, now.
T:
3:55:04
